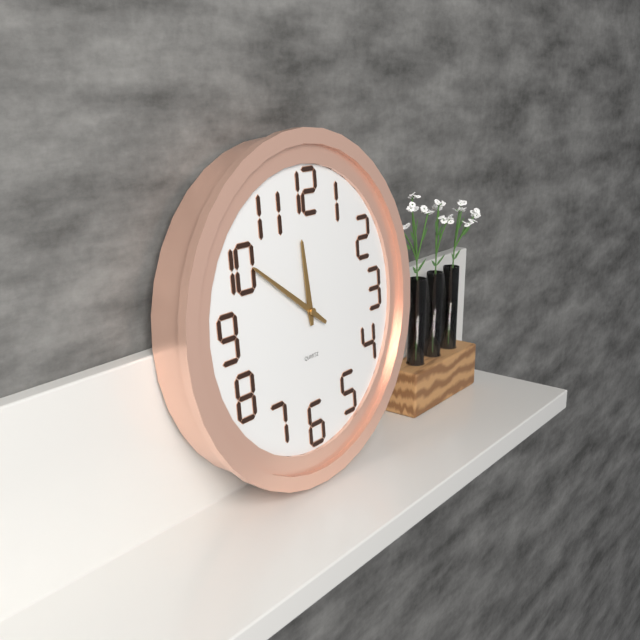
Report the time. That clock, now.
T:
11:51
